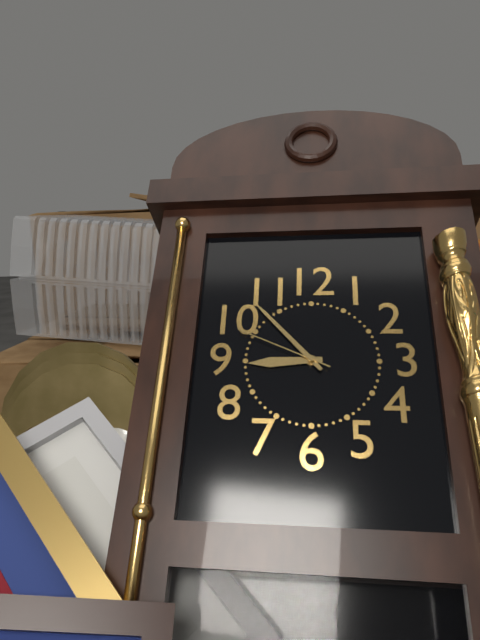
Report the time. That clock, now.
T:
8:53:49
